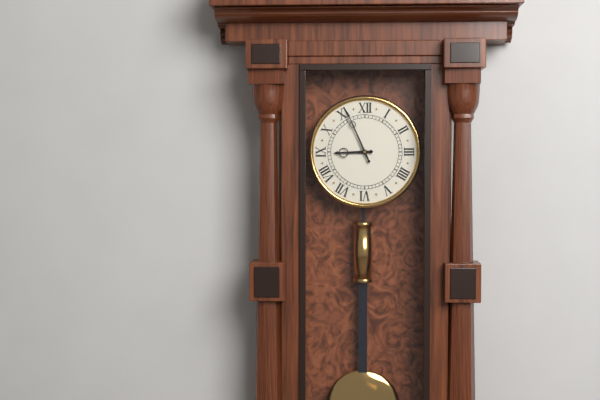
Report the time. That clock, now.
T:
8:56
